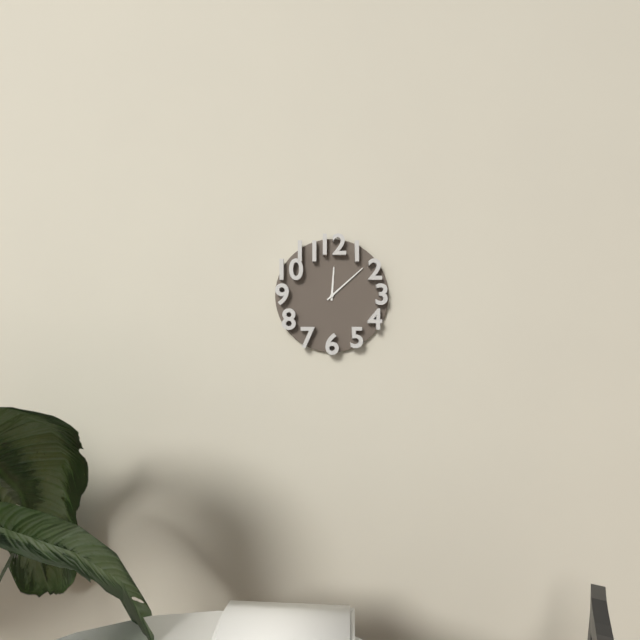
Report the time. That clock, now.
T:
12:08
